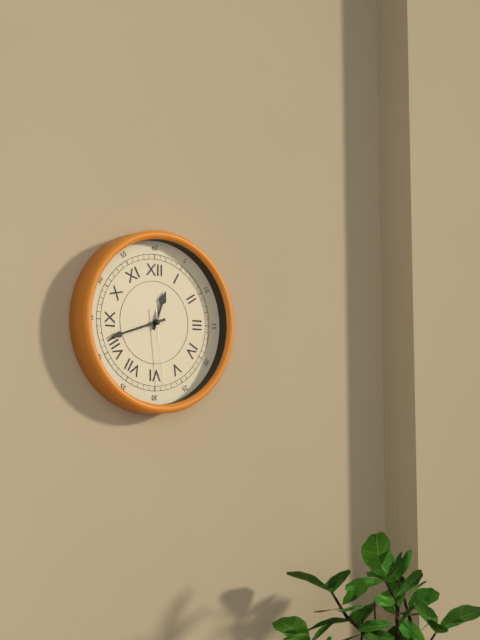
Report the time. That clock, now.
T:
12:42:29
